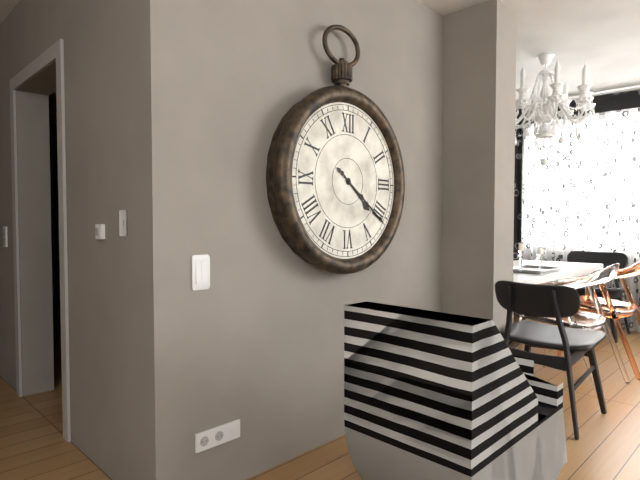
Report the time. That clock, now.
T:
4:21
